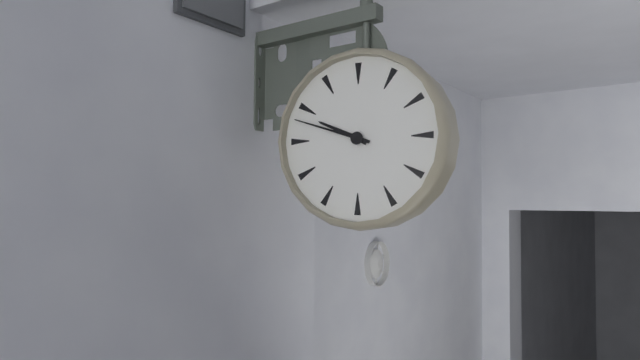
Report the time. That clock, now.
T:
9:48
